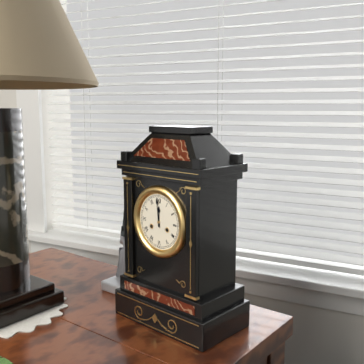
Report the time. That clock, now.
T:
11:59
